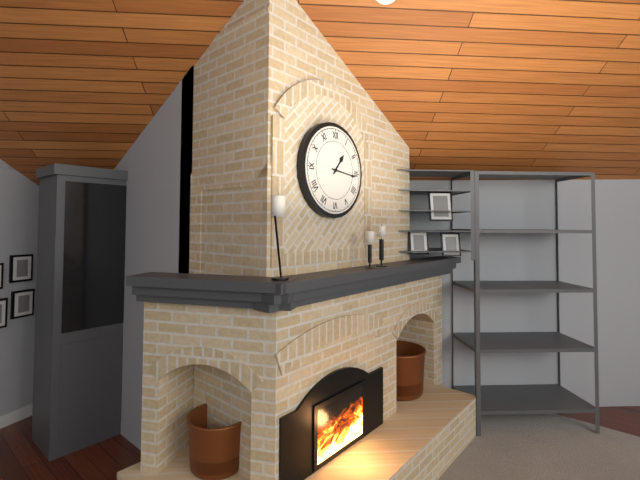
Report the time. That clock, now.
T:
1:16
